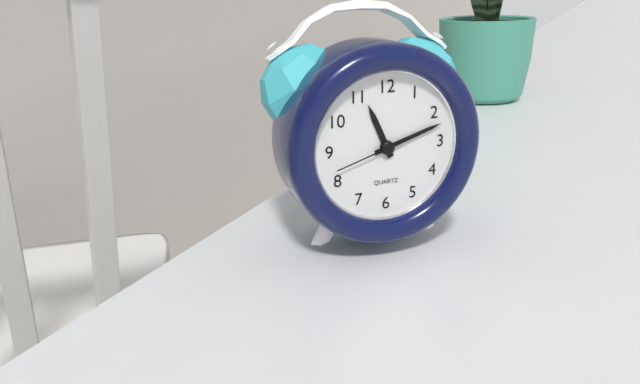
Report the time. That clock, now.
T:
11:12:42
